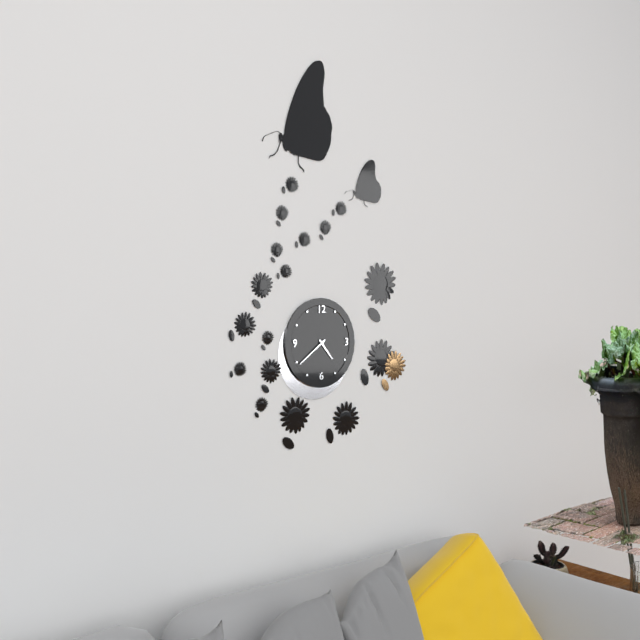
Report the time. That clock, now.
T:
4:39
